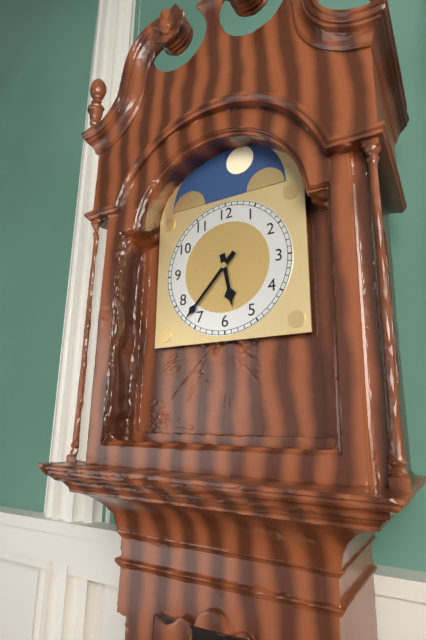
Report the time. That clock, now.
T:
5:37
